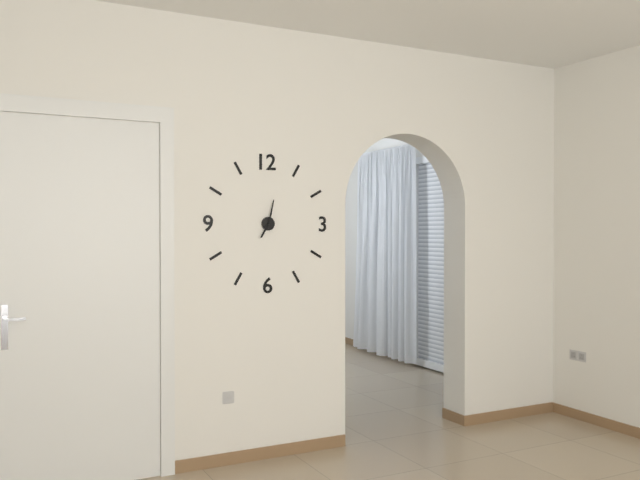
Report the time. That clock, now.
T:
7:02
